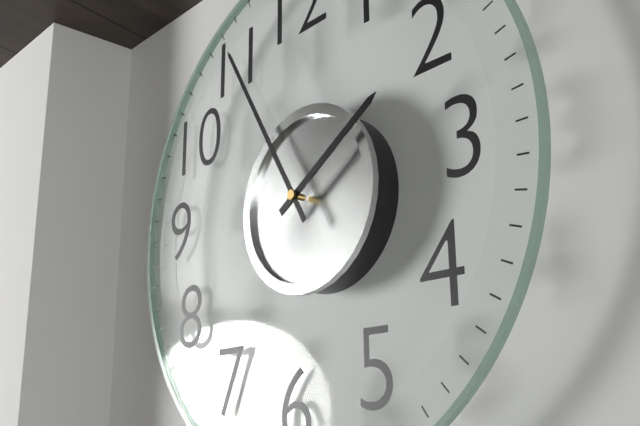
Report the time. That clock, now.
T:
1:55
